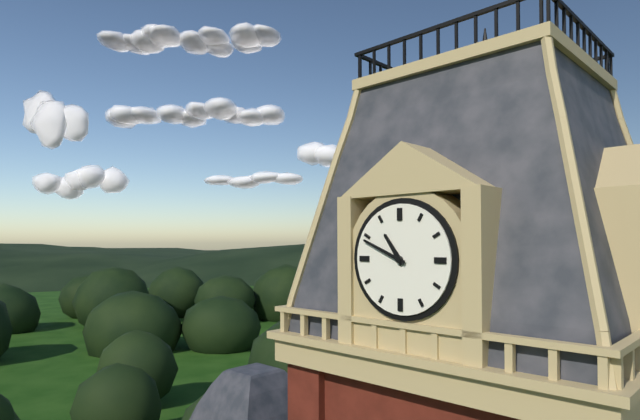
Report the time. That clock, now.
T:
10:49
